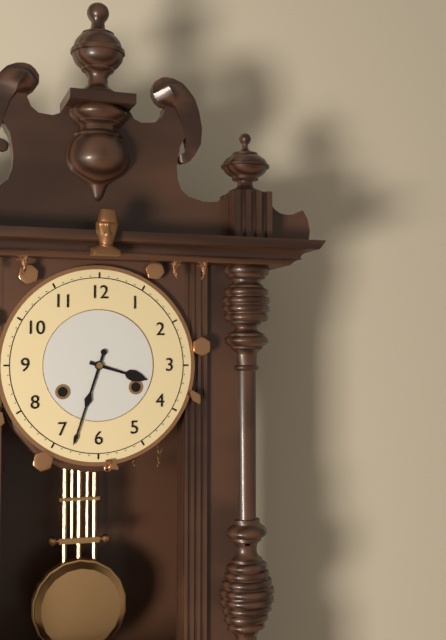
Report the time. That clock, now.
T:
3:33
